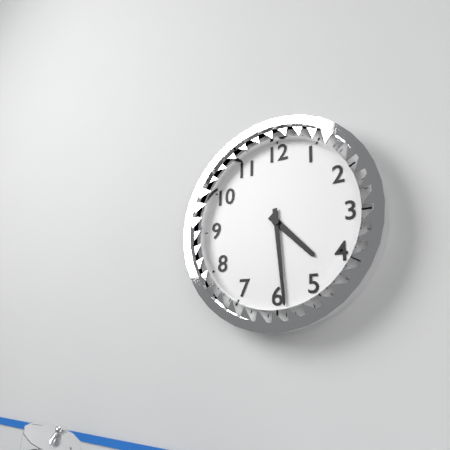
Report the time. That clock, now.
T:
4:29
